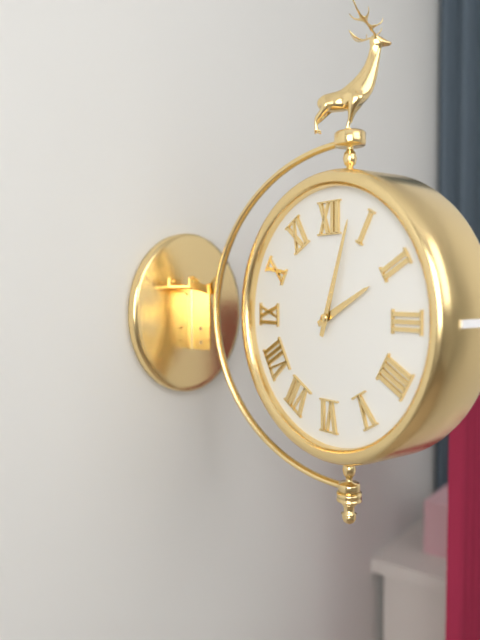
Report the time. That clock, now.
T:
2:03
